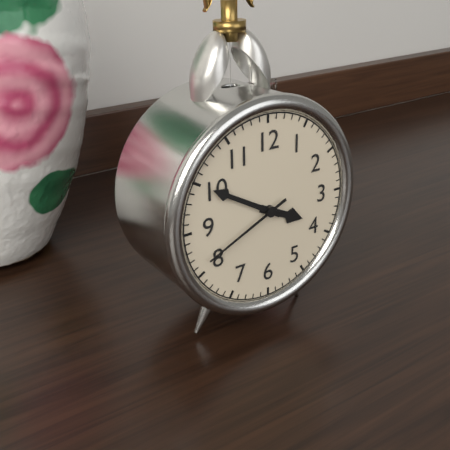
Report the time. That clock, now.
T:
3:50:41
